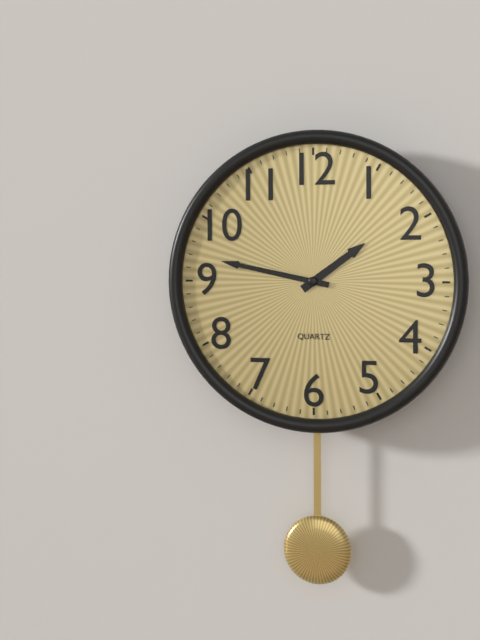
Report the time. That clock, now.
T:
1:47
